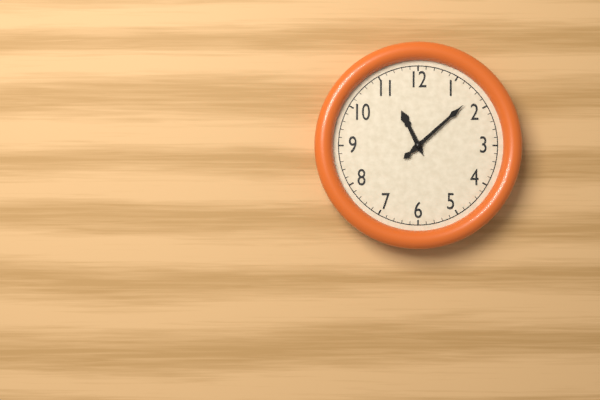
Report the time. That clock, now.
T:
11:08
